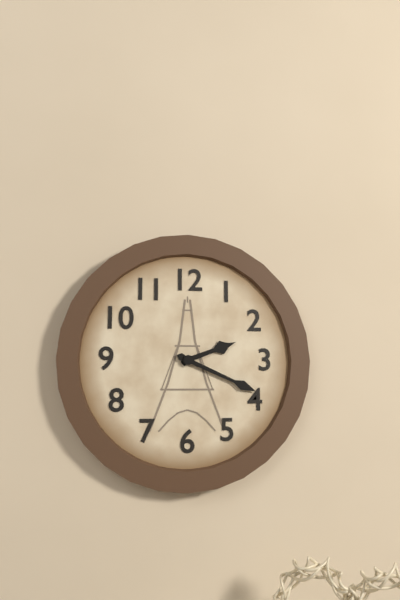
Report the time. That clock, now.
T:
2:19
